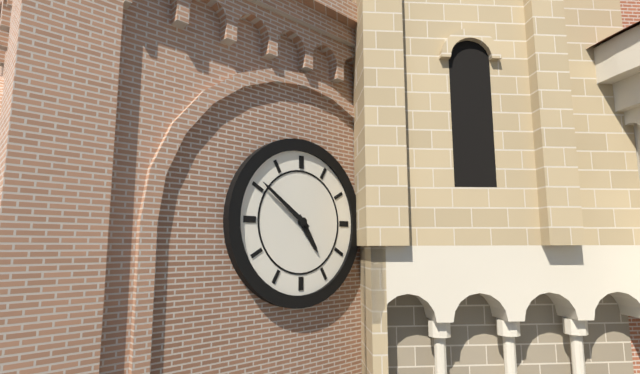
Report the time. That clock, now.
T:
4:51
